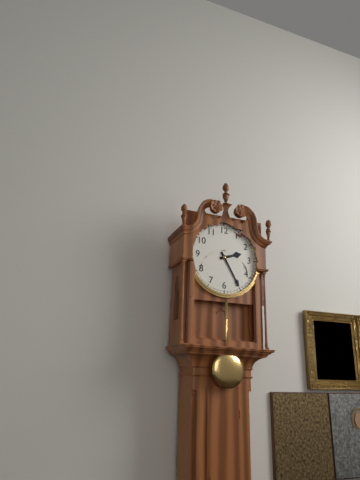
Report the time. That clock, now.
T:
2:25
